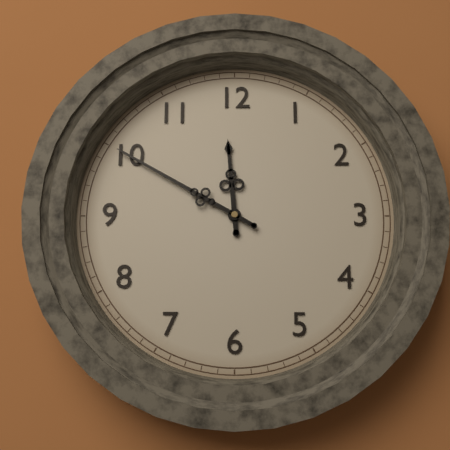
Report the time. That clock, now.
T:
11:50
